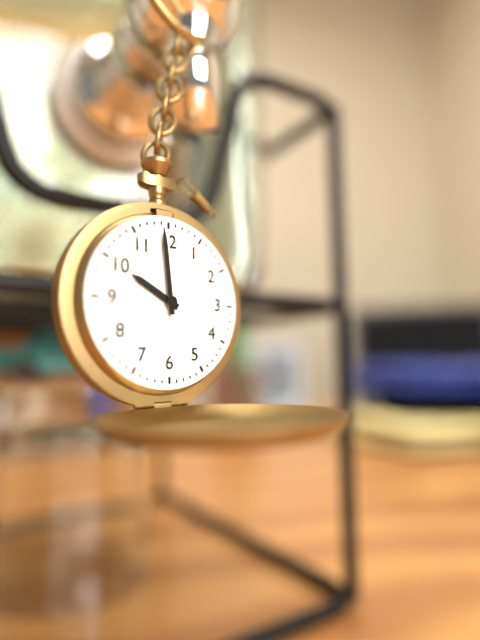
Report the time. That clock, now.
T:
9:59
